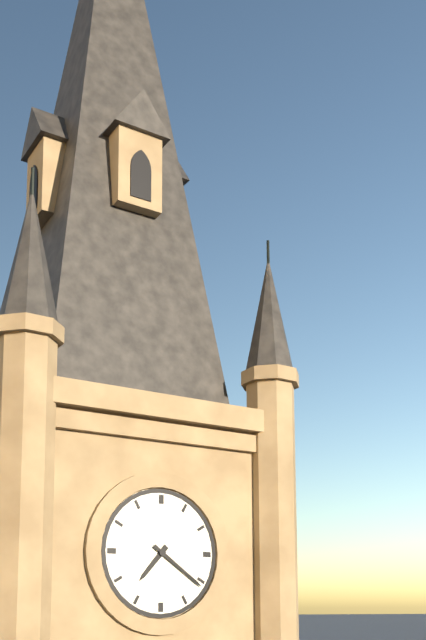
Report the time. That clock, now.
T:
7:21
